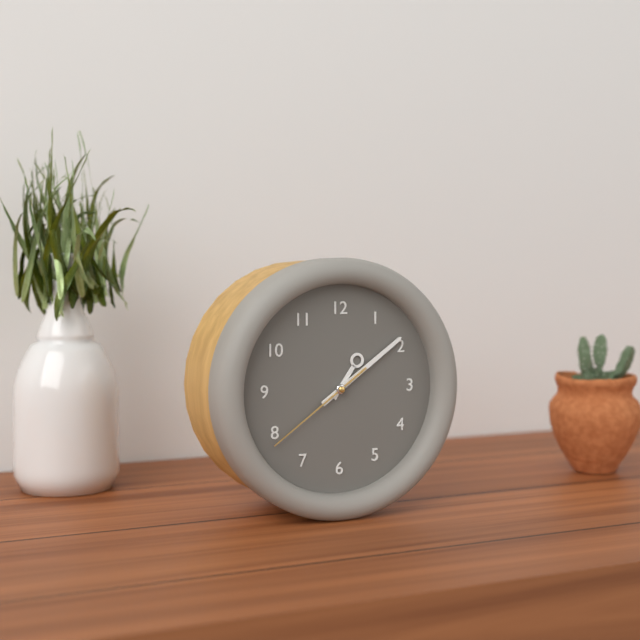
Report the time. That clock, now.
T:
1:09:39
